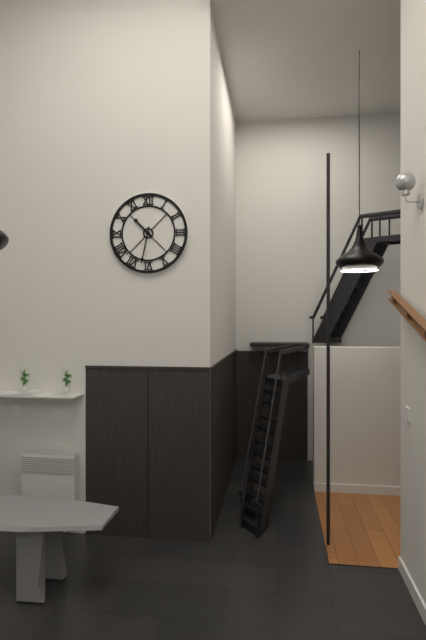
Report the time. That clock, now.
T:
10:32
